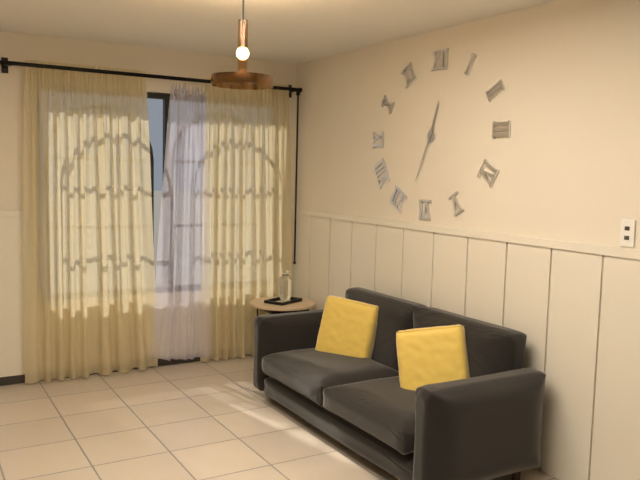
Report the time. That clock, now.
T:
12:34
